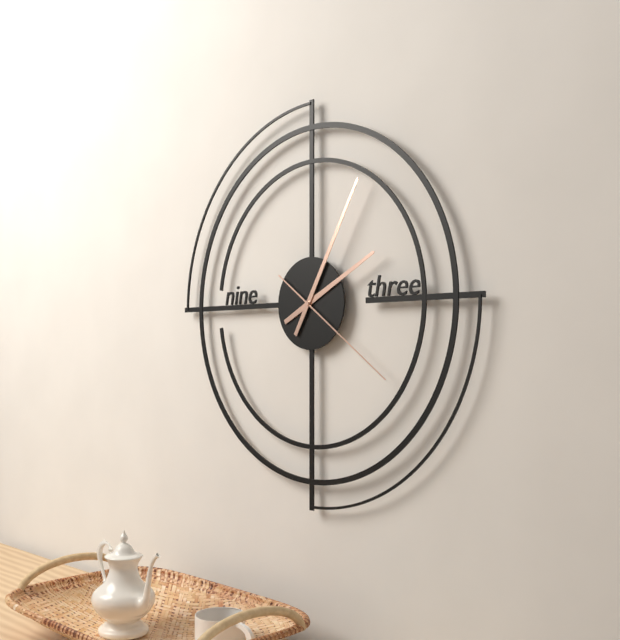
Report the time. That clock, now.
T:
2:05:21
